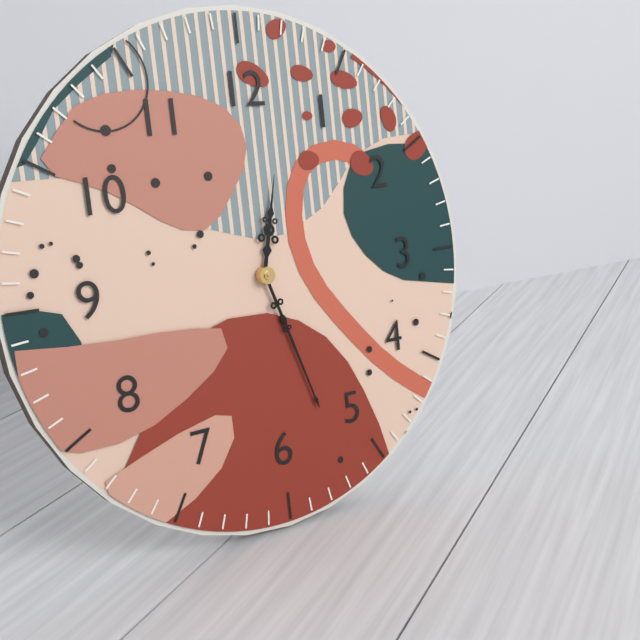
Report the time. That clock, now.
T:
12:27
